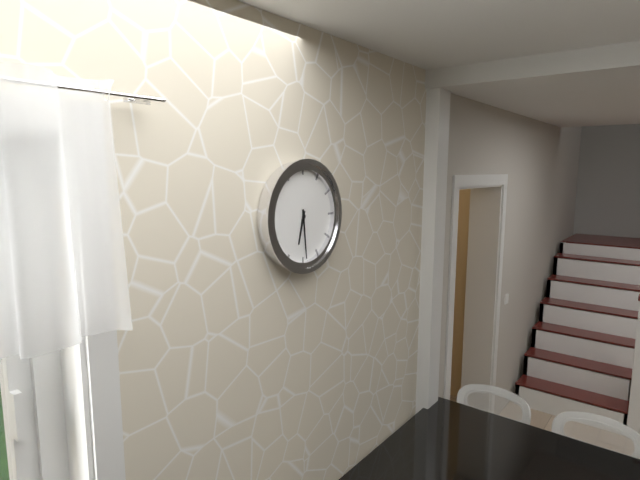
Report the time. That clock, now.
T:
6:29
